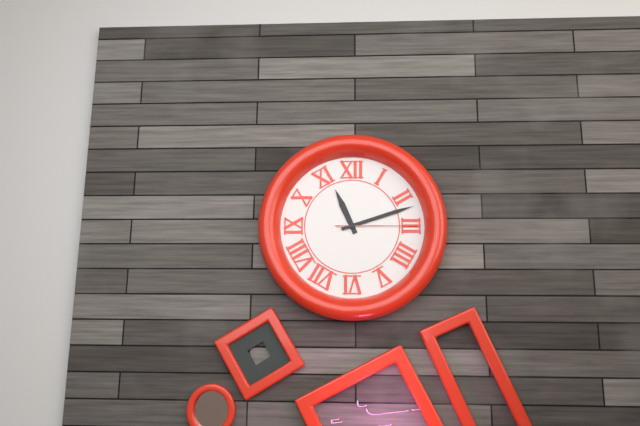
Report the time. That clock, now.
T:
11:12:15
